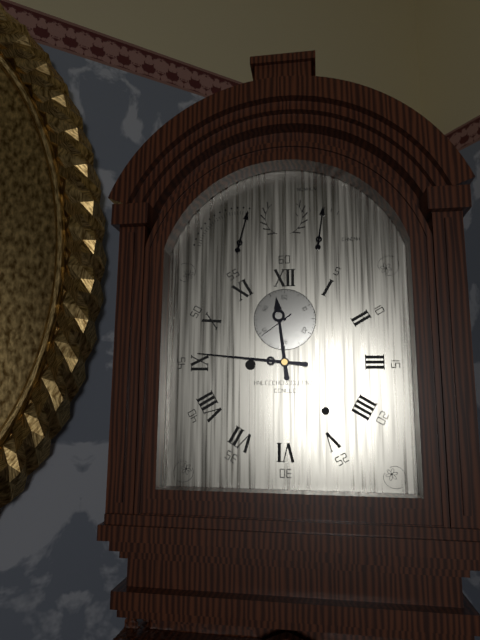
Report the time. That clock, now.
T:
11:46
